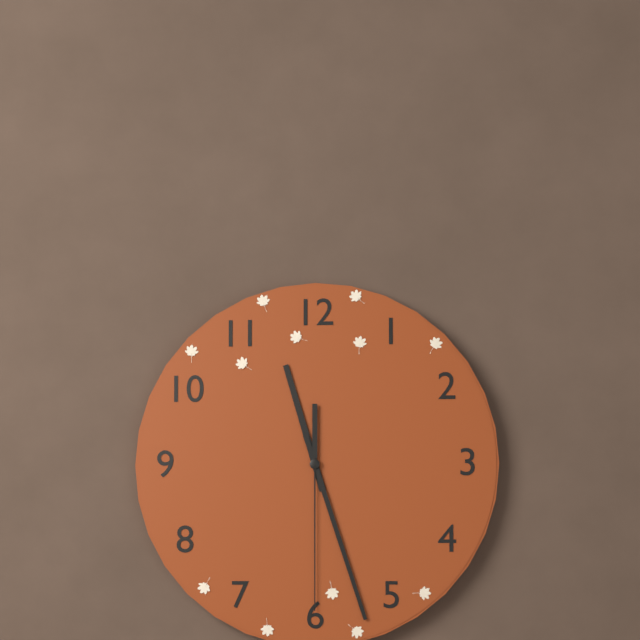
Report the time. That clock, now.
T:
11:27:30
